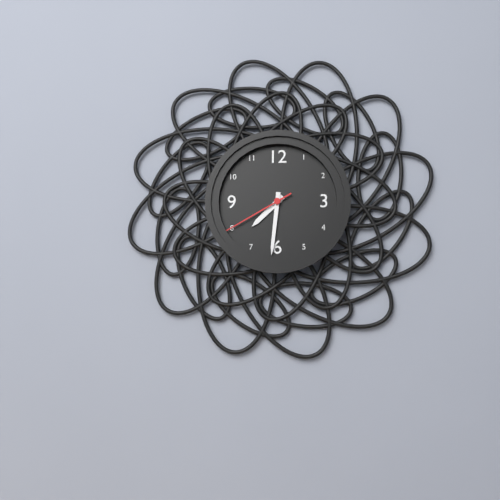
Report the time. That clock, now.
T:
7:31:40
